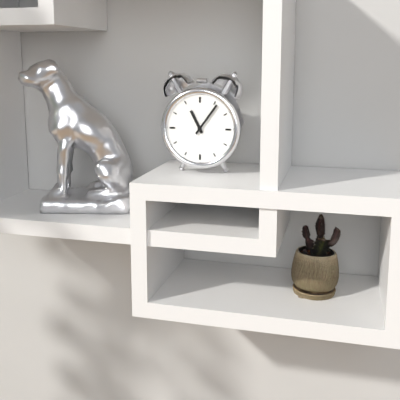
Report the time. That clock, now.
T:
11:06
